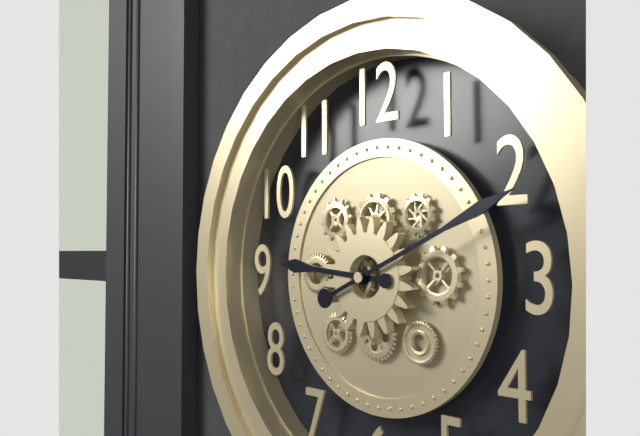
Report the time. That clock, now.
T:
9:11
